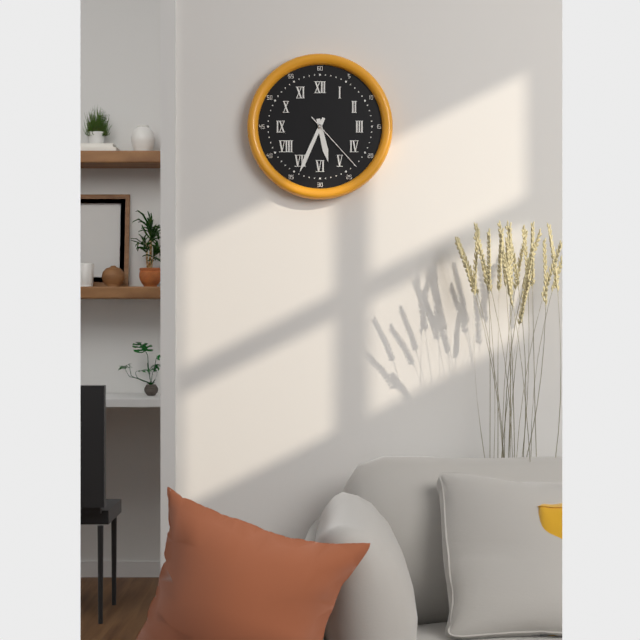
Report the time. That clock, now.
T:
5:34:23
